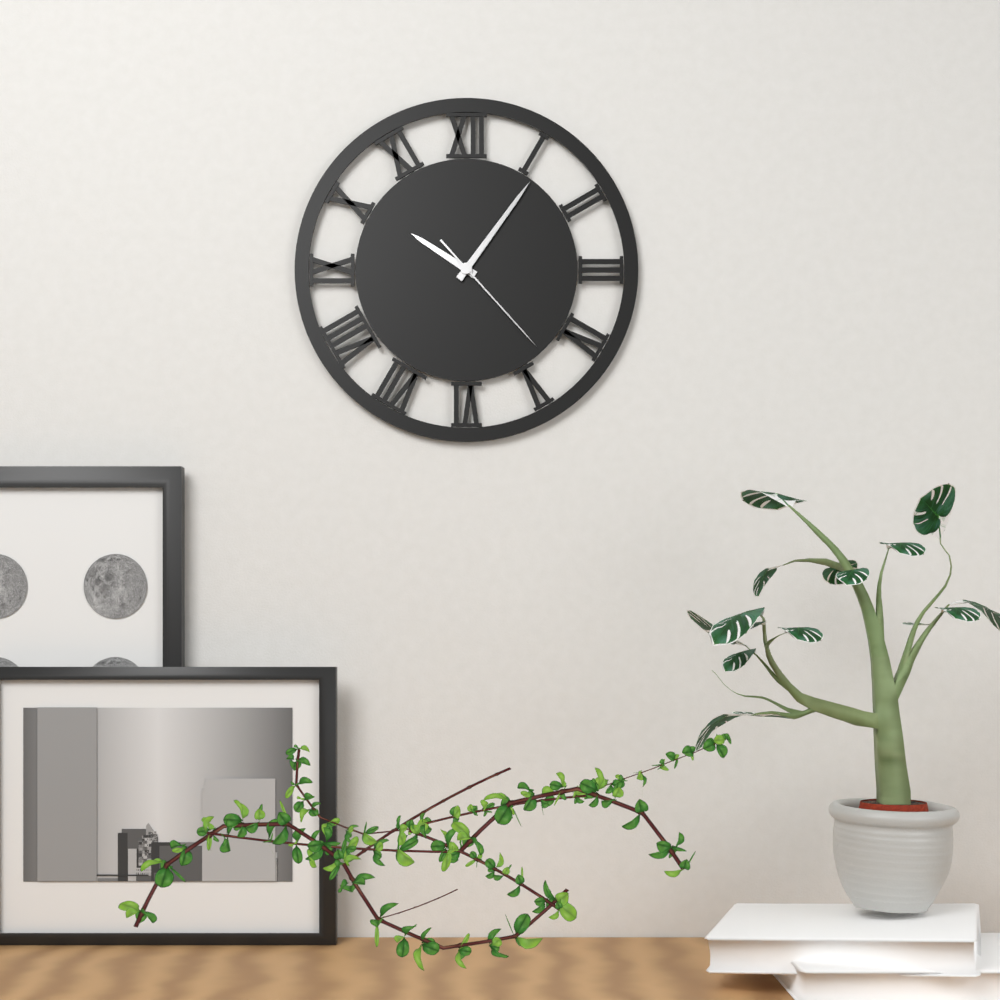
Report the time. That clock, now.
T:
10:06:23
